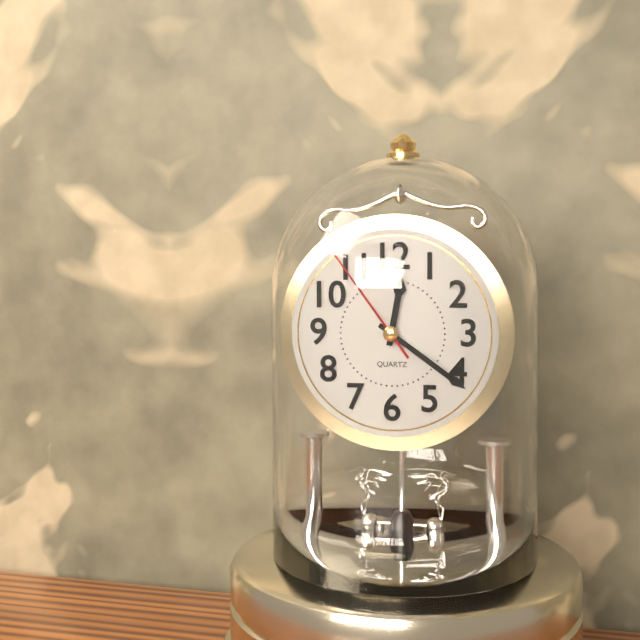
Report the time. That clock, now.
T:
12:21:54
